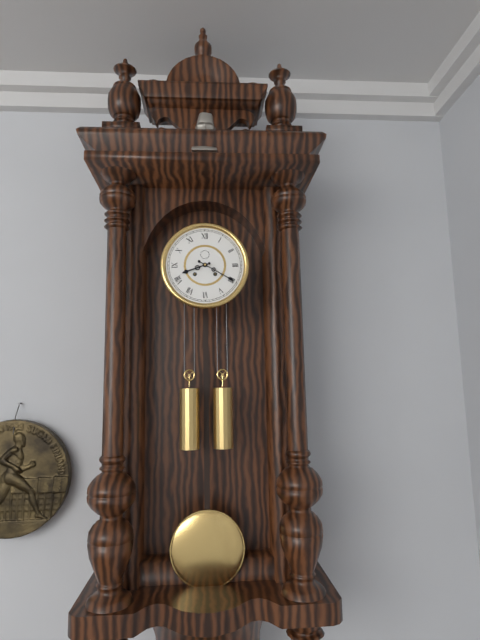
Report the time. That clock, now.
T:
8:20
